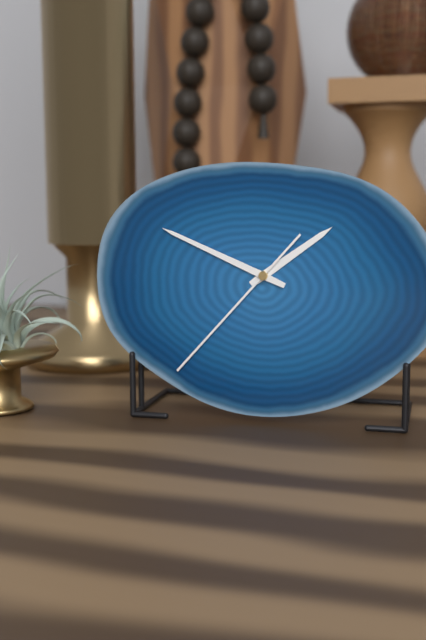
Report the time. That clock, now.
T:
1:49:37
